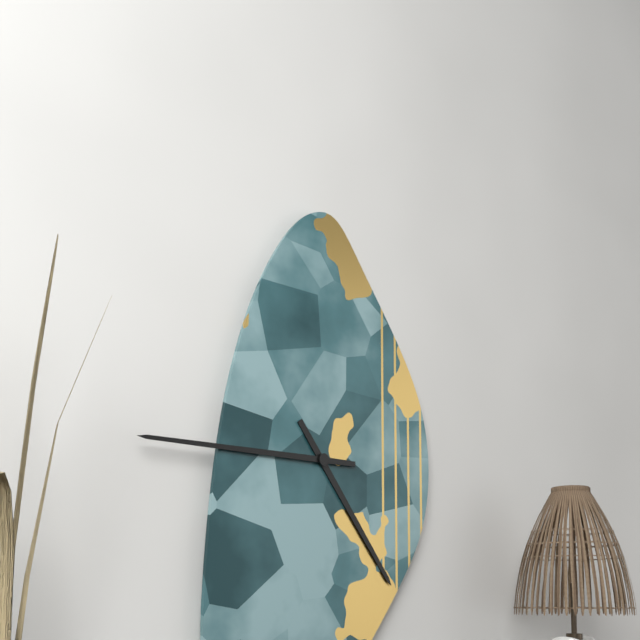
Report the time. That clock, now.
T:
4:45
